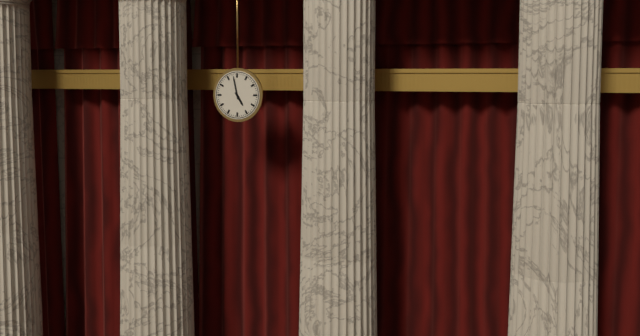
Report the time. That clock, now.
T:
4:58
